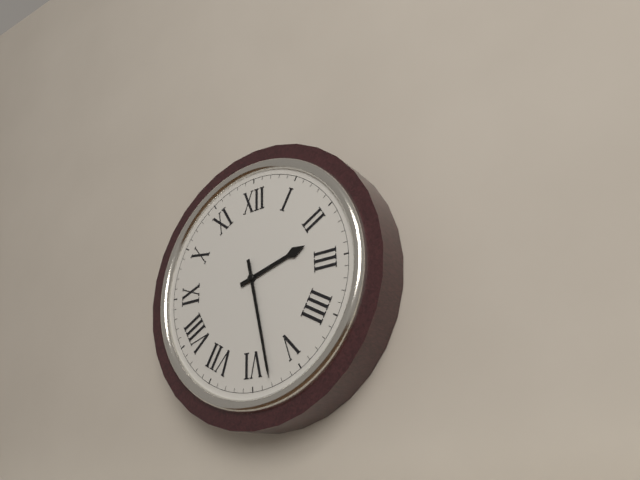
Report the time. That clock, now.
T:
2:28
